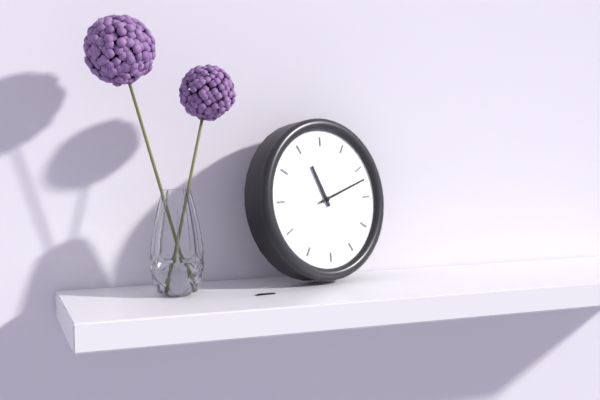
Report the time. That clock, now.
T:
11:12
